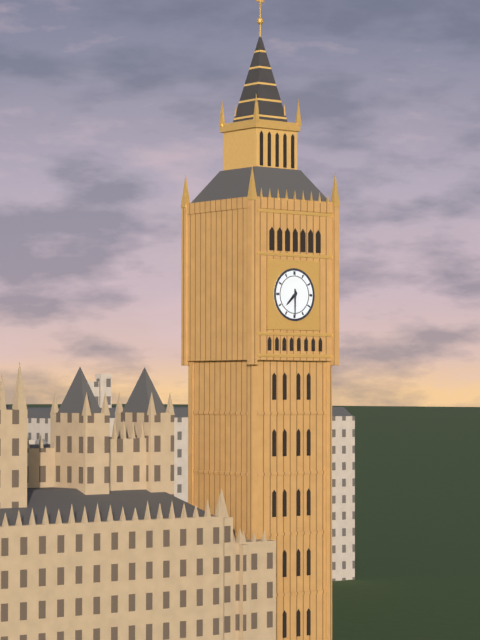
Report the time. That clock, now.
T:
7:30
